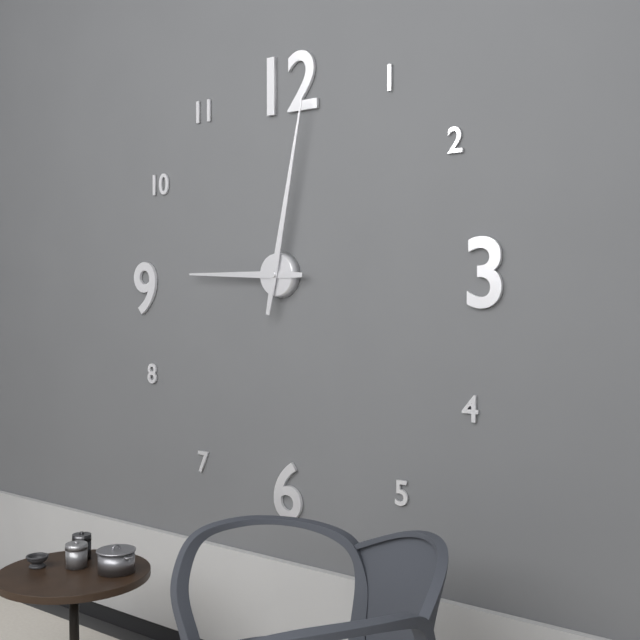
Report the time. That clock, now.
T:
9:02
